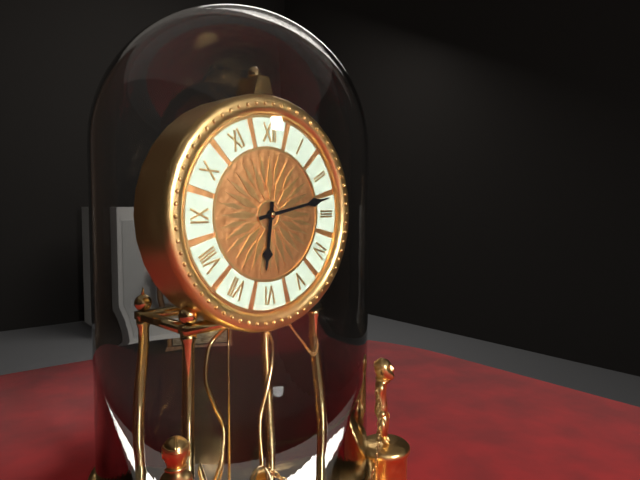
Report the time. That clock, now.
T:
6:13
